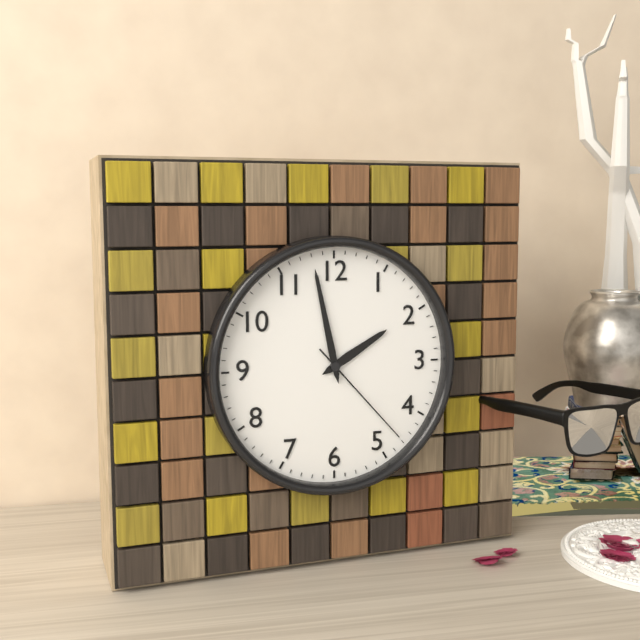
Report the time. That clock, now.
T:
1:58:23
